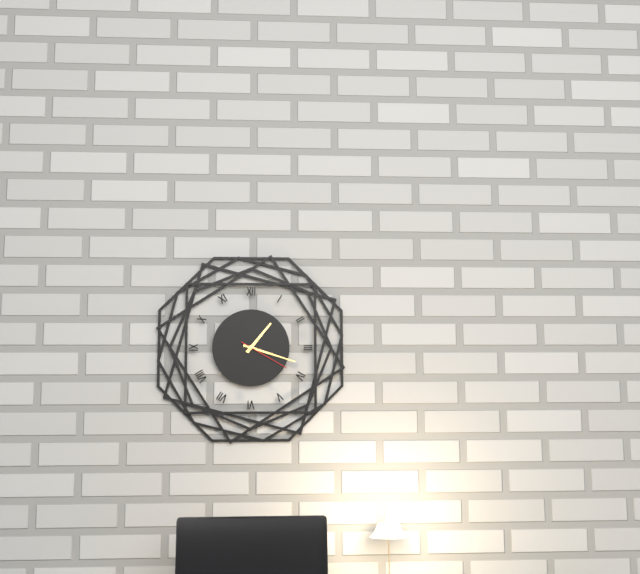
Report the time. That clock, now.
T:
1:18:20
